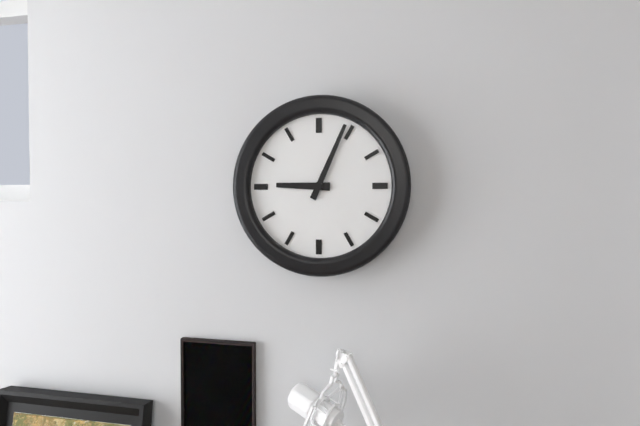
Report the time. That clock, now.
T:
9:04
